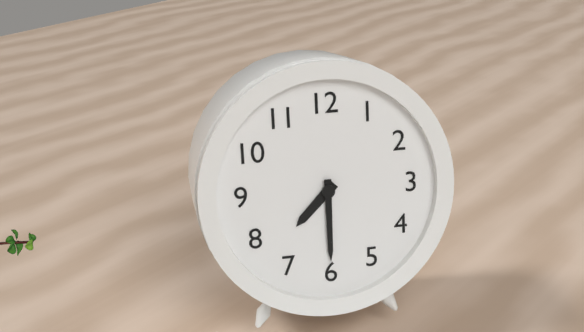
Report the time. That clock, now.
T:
7:30
